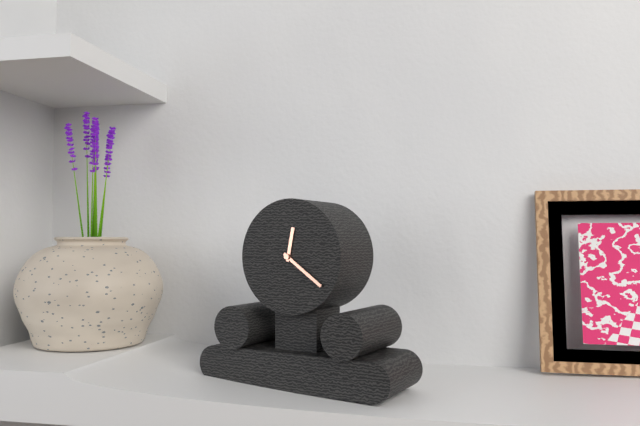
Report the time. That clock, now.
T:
12:21
